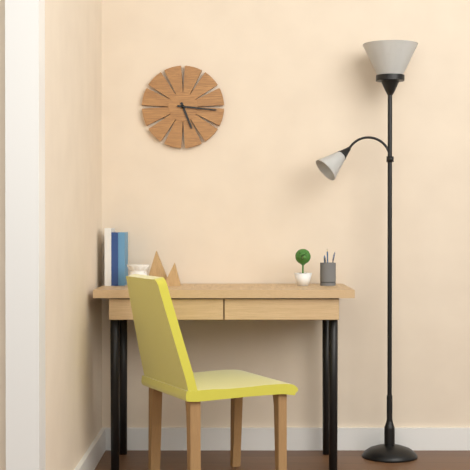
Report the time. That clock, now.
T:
5:16
